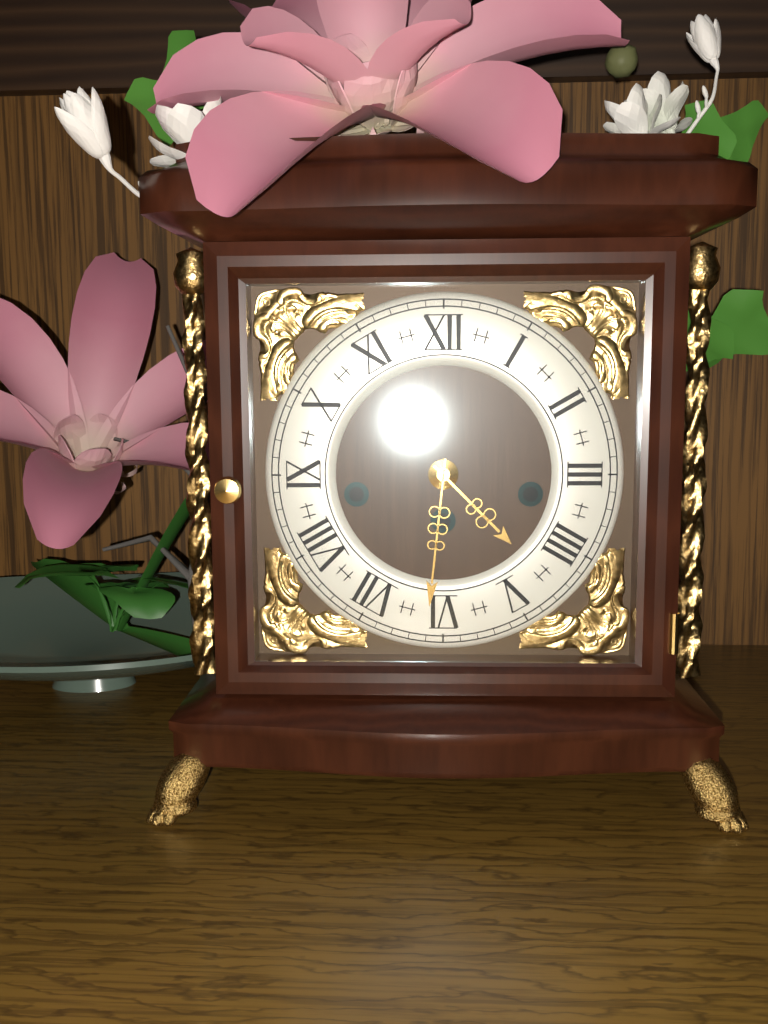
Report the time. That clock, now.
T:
4:31
